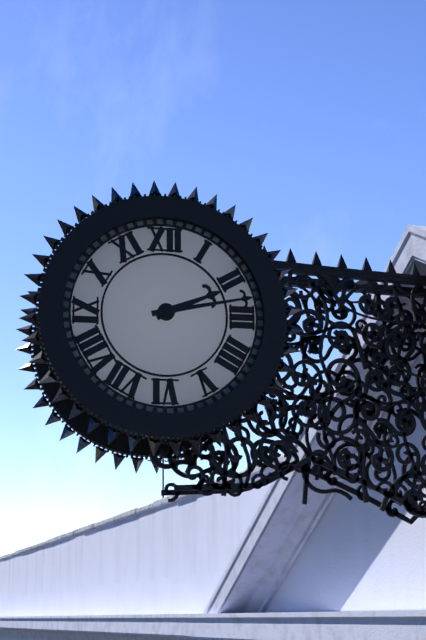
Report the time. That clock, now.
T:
2:13
